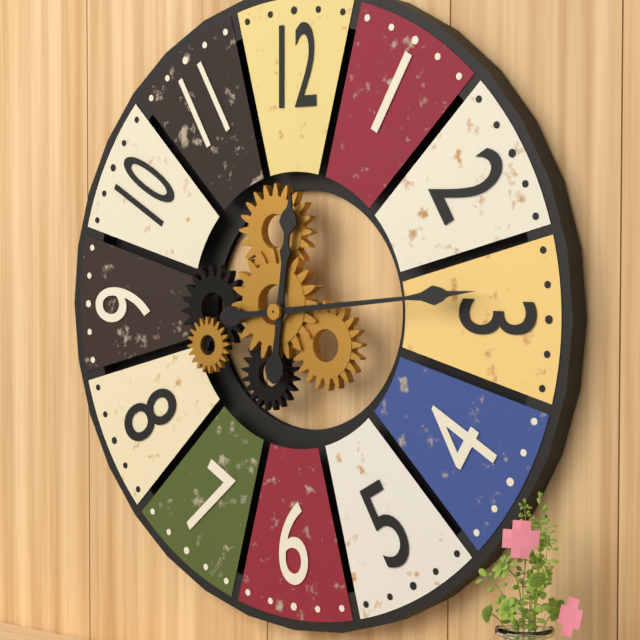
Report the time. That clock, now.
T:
12:14
